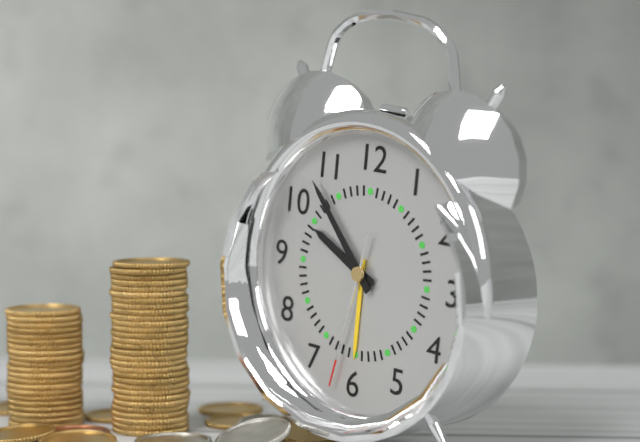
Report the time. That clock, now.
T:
9:53:32
